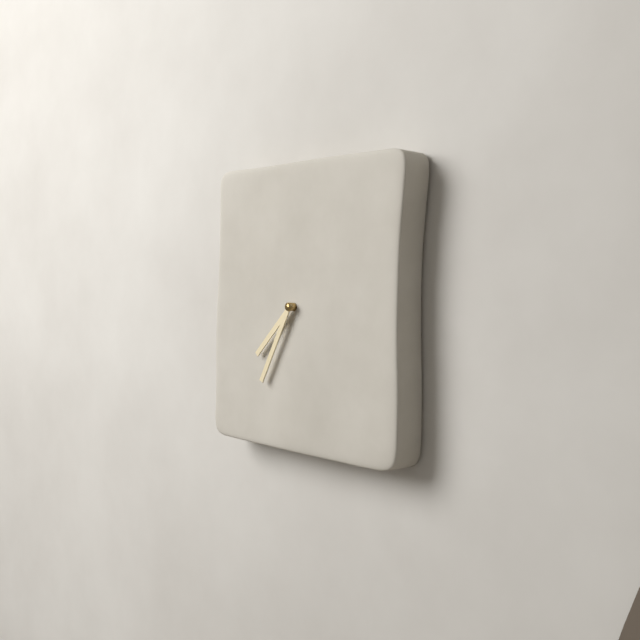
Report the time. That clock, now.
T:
7:35
